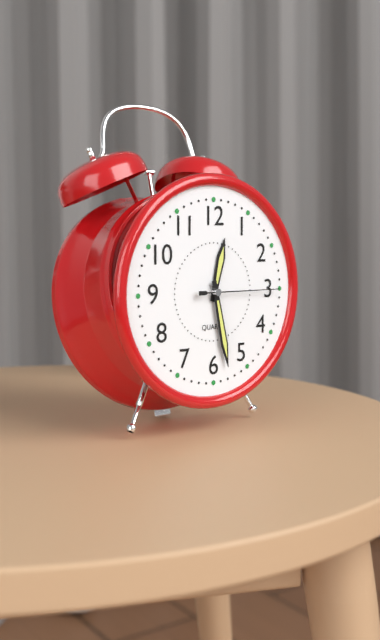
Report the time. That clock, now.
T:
12:28:15
